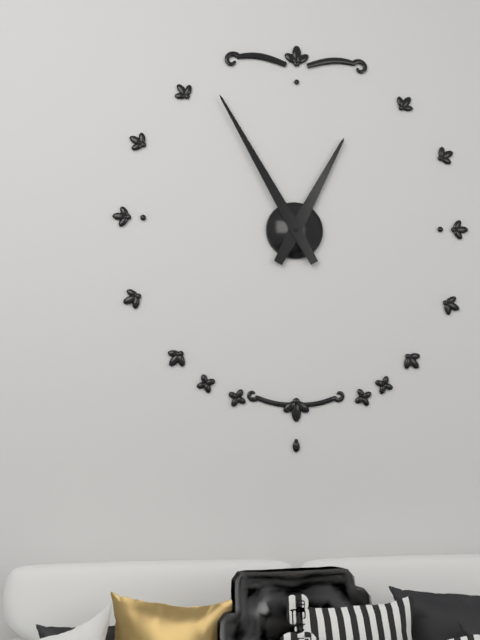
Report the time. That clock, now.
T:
12:55
